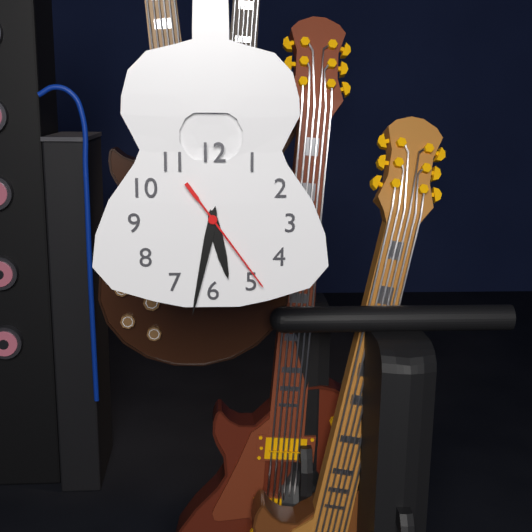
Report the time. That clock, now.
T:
5:32:24
